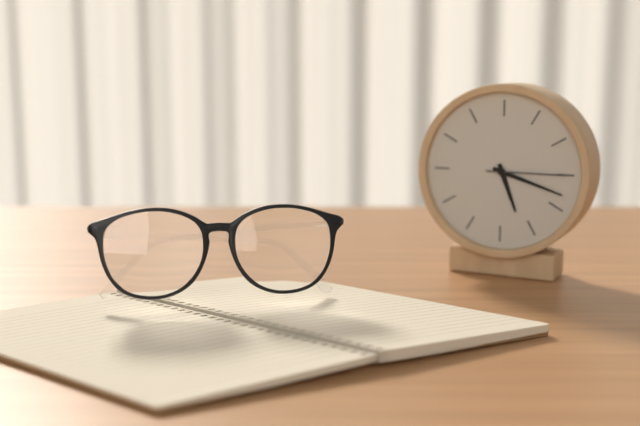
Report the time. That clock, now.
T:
5:18:15
